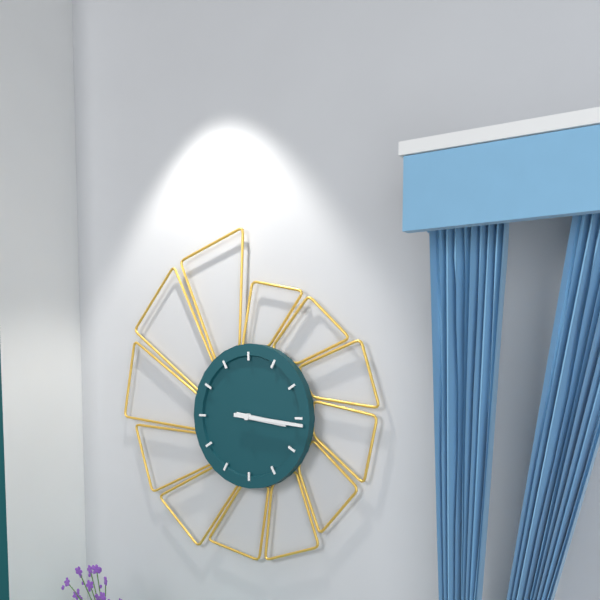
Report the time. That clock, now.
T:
3:16
